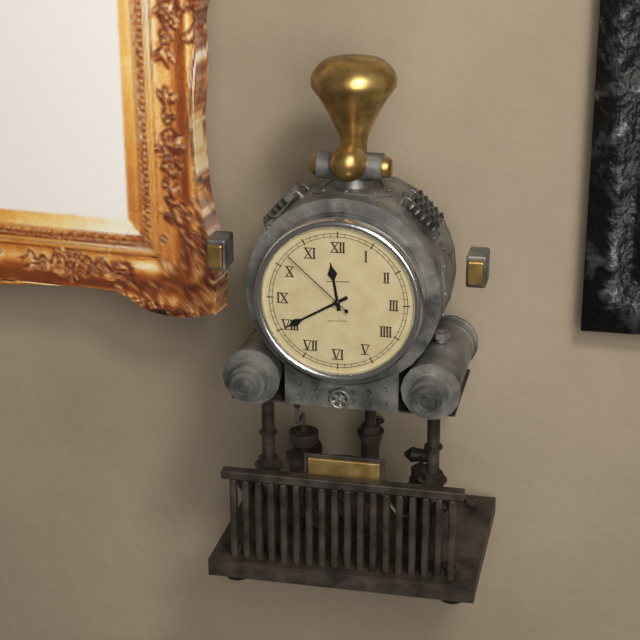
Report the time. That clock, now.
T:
11:40:52
